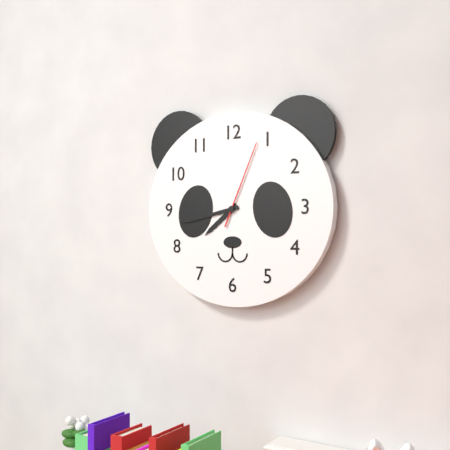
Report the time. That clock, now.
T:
7:43:04
